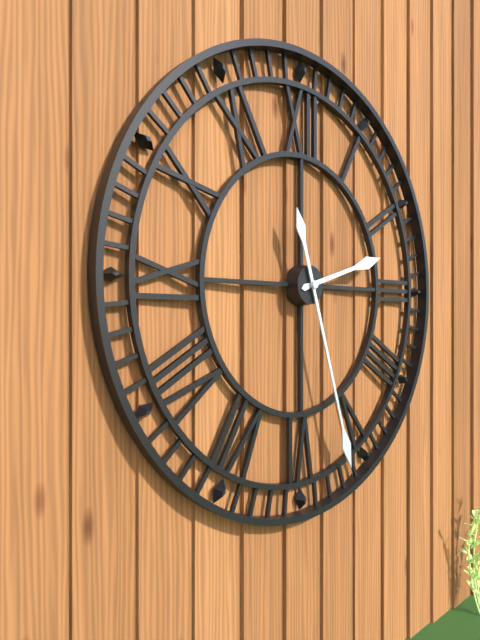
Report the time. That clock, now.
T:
2:27
